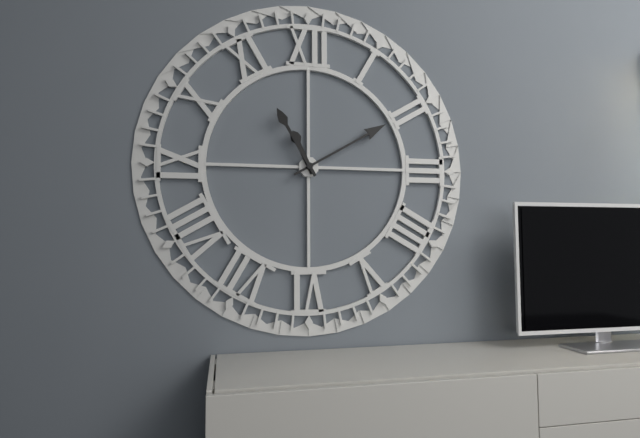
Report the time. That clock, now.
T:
11:10:55
